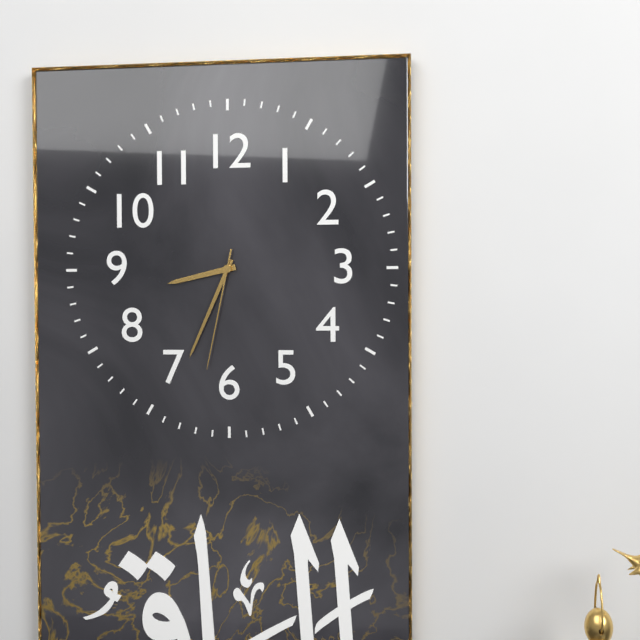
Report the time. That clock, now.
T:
8:34:32
